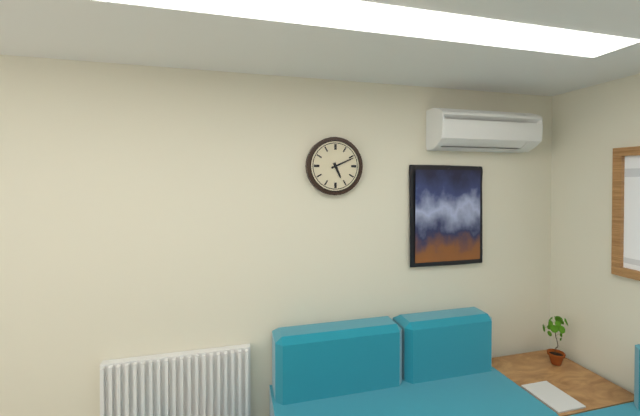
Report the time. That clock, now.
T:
5:11
